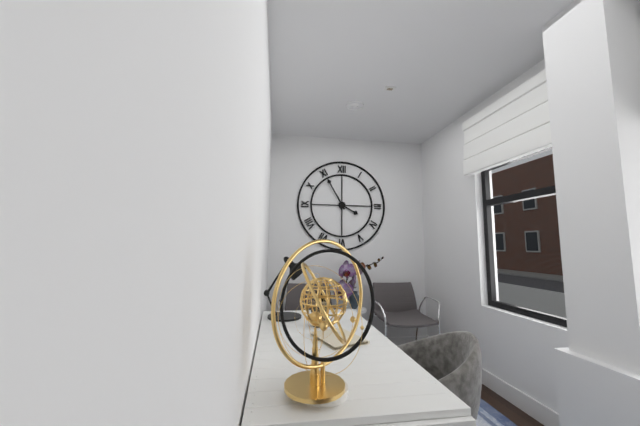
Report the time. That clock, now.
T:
3:55
